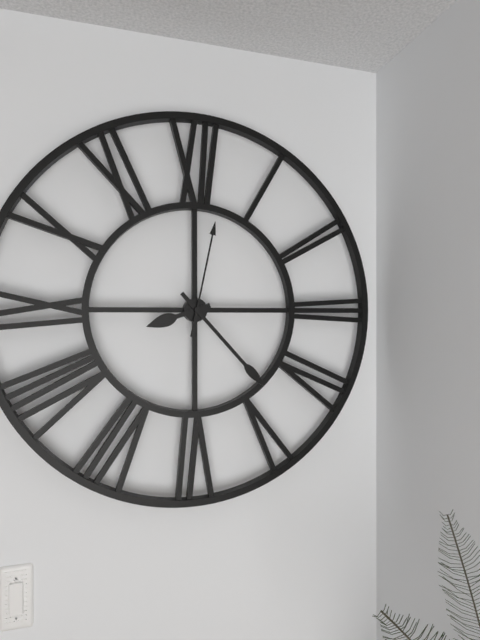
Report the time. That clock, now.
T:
8:23:02
